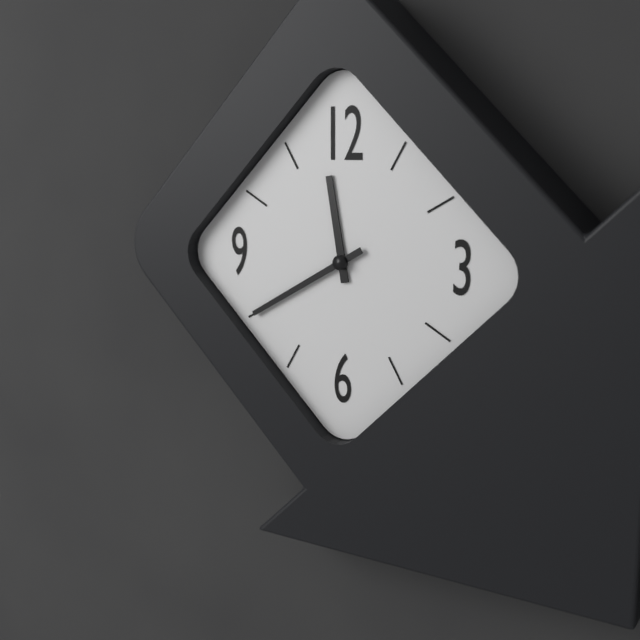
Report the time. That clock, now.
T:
11:40
